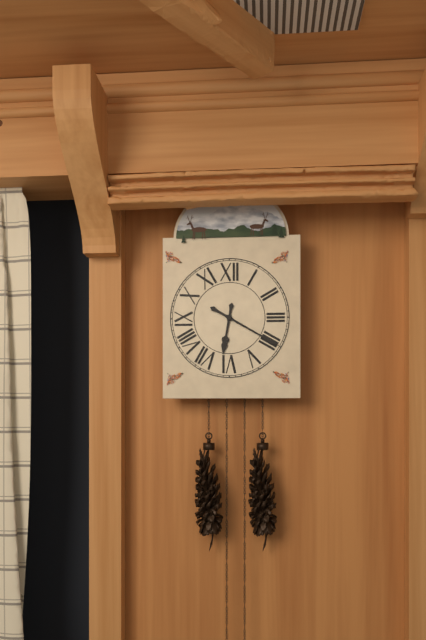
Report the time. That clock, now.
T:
6:20
